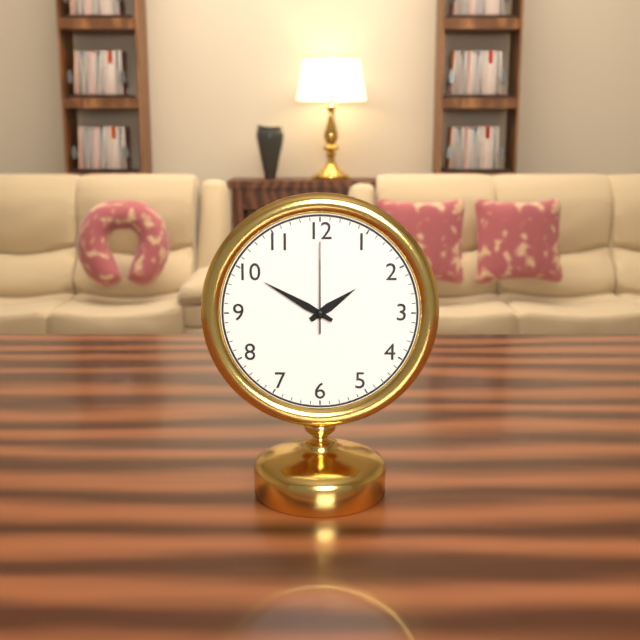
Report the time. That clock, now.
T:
1:50:00
